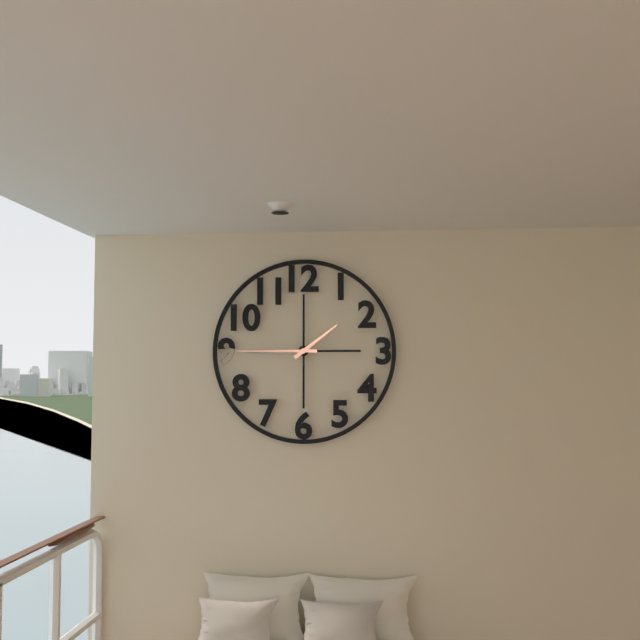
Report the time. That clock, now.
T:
1:45
